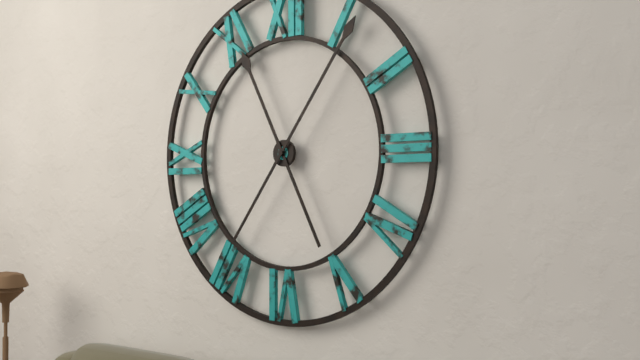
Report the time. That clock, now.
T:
11:06
